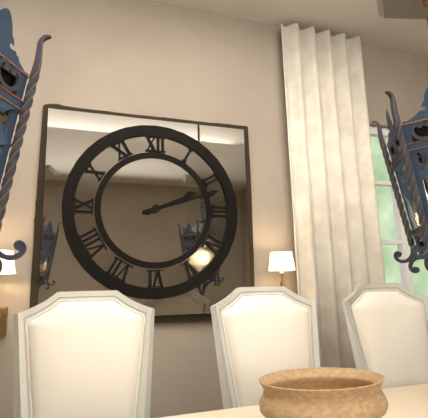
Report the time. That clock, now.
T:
2:12
